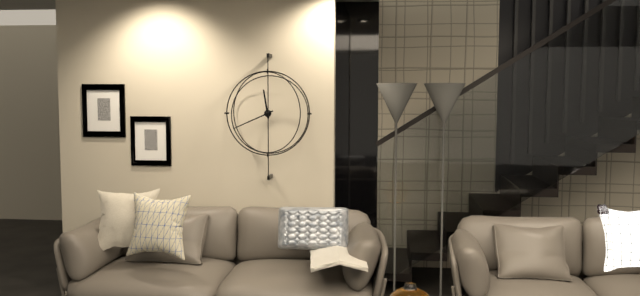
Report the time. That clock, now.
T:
11:41
